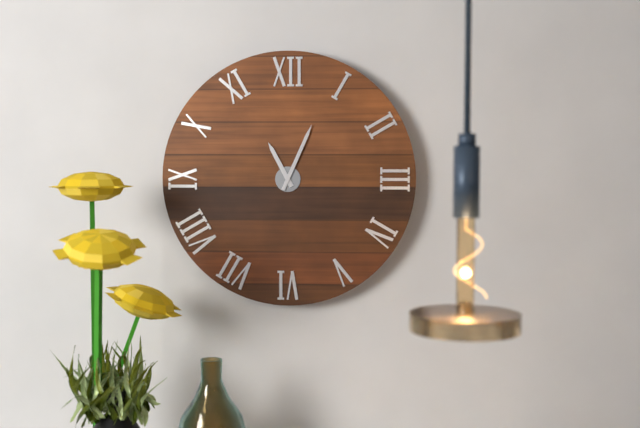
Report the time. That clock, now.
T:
11:04
